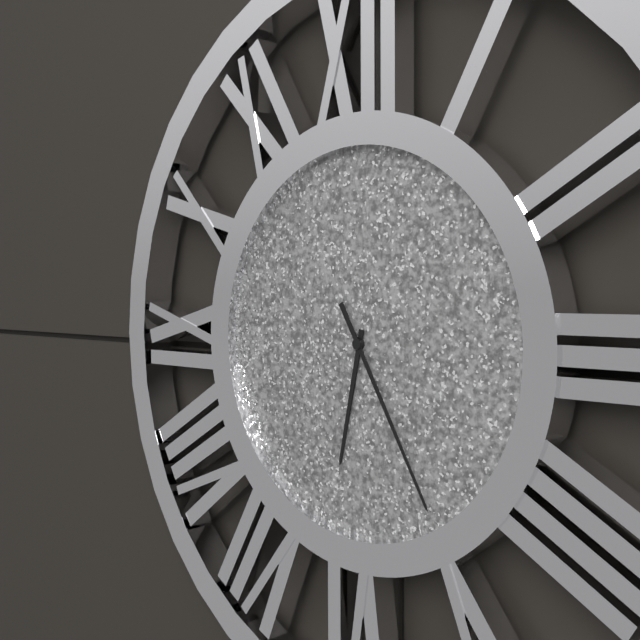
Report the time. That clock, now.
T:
6:25
